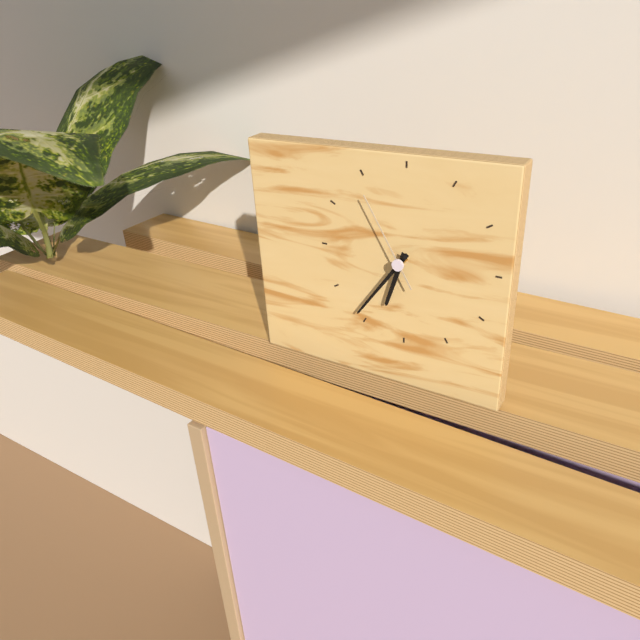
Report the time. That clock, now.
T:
6:36:55
